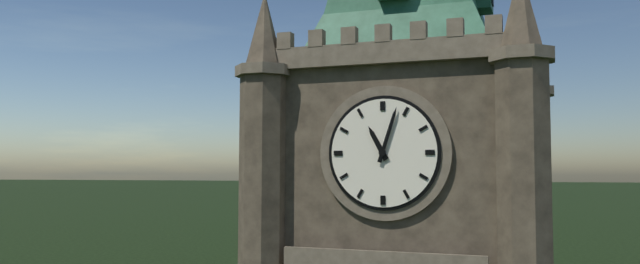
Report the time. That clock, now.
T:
11:03
